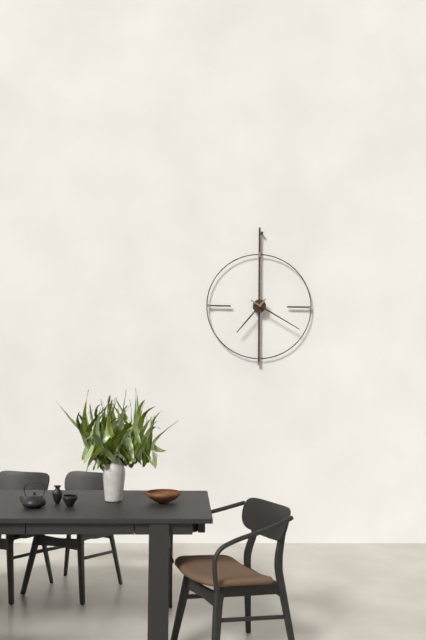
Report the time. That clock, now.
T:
7:20
